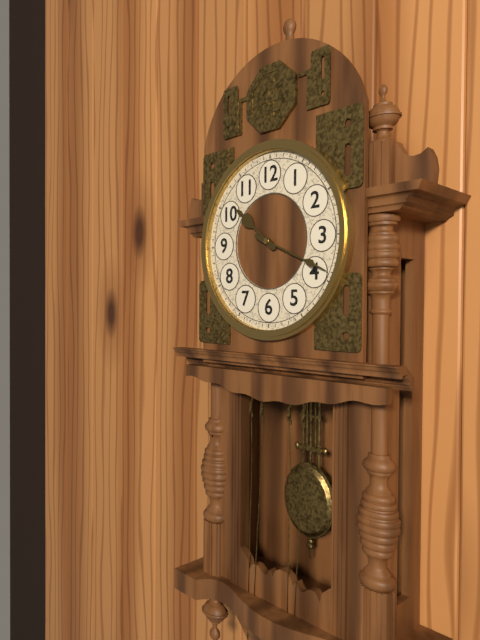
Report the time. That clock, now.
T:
10:19
